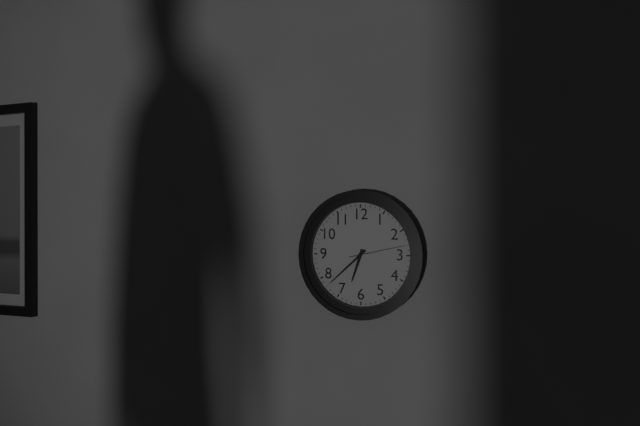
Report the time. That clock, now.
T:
6:38:13
